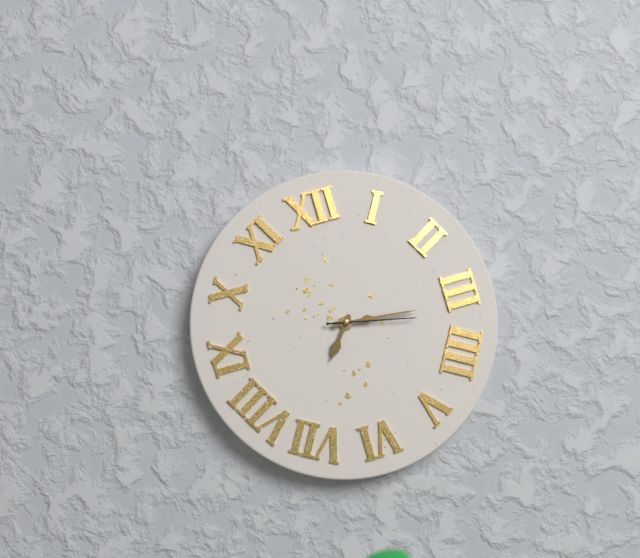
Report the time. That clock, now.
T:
7:16:17
